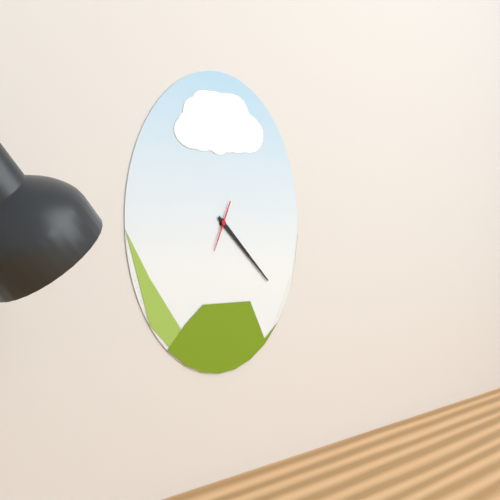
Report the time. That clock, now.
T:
4:22
